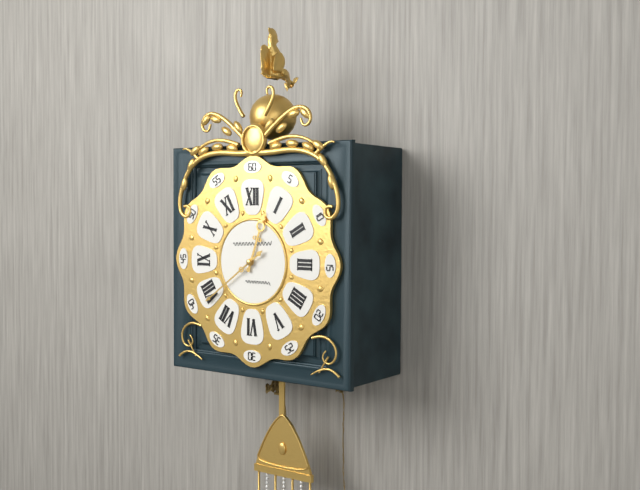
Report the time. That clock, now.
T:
12:39
